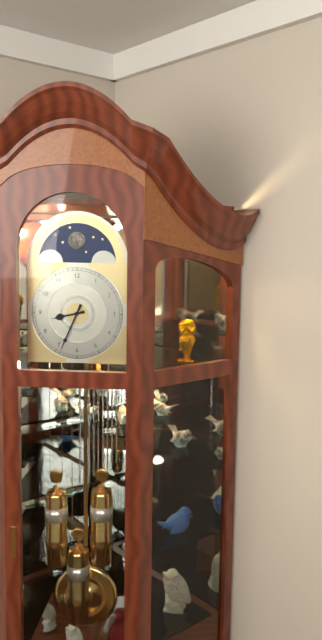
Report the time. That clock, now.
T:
8:34
